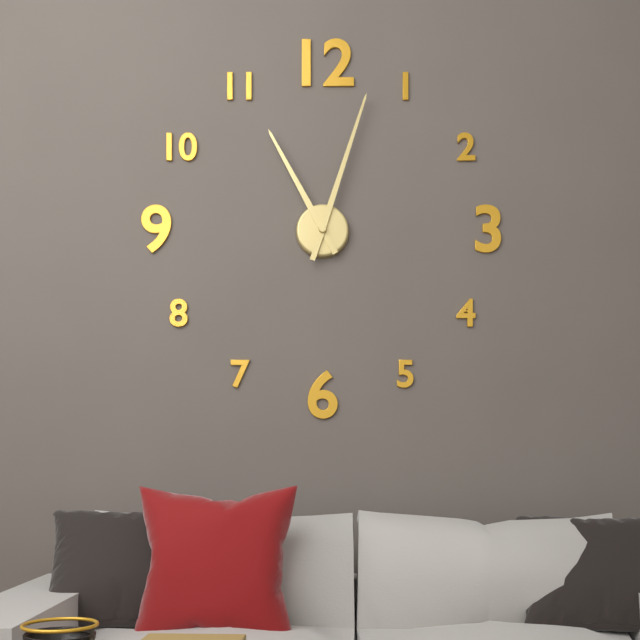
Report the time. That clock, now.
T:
11:03
